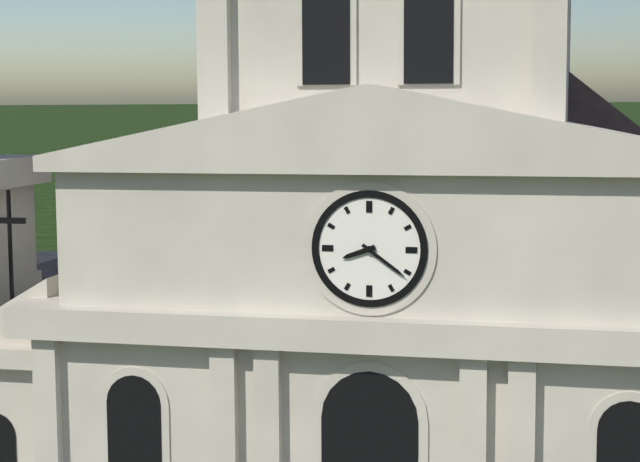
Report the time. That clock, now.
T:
8:21
